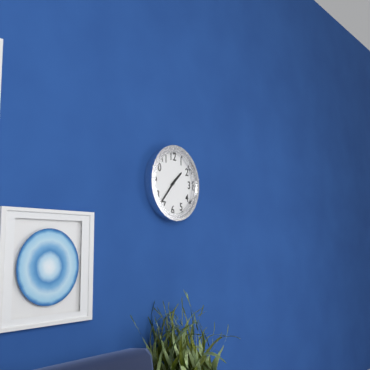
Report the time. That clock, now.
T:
1:37
